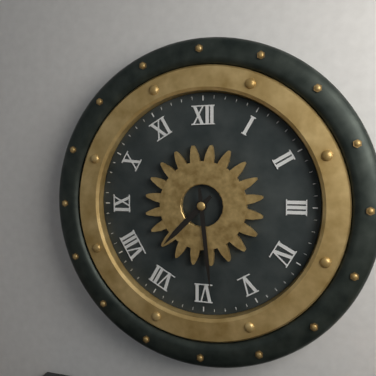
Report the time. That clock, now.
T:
7:29
